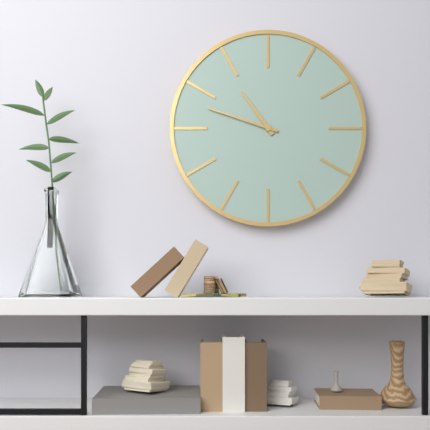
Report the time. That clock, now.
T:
10:48
